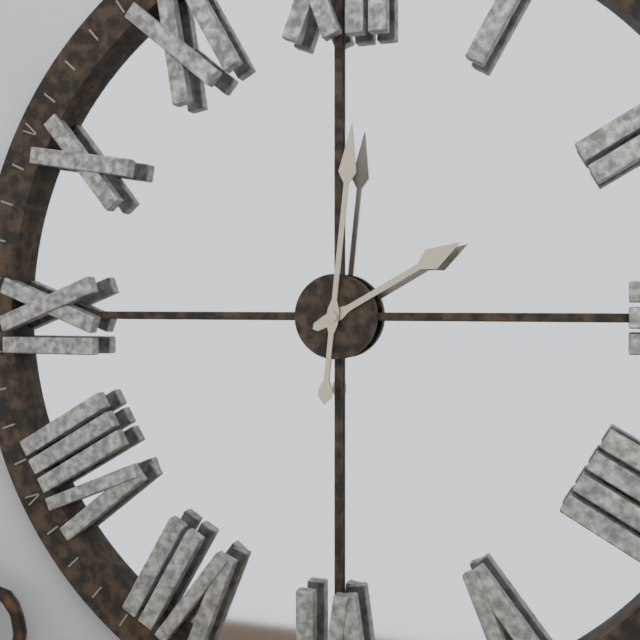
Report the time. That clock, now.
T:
2:01
